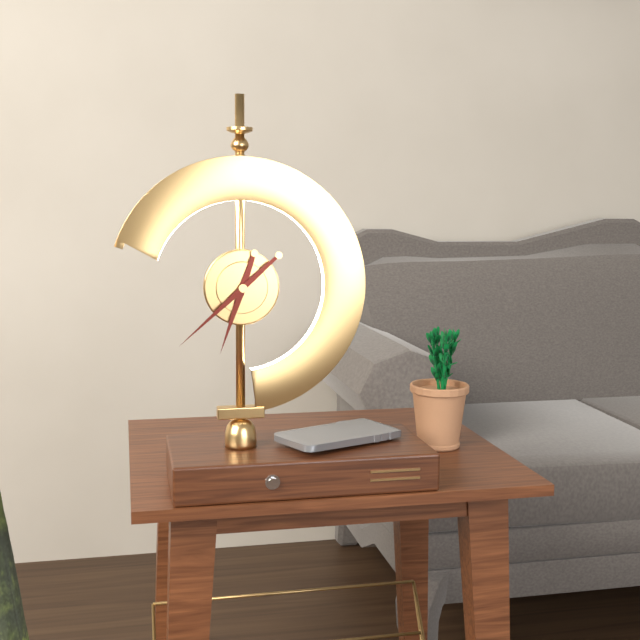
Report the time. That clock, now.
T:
6:38
